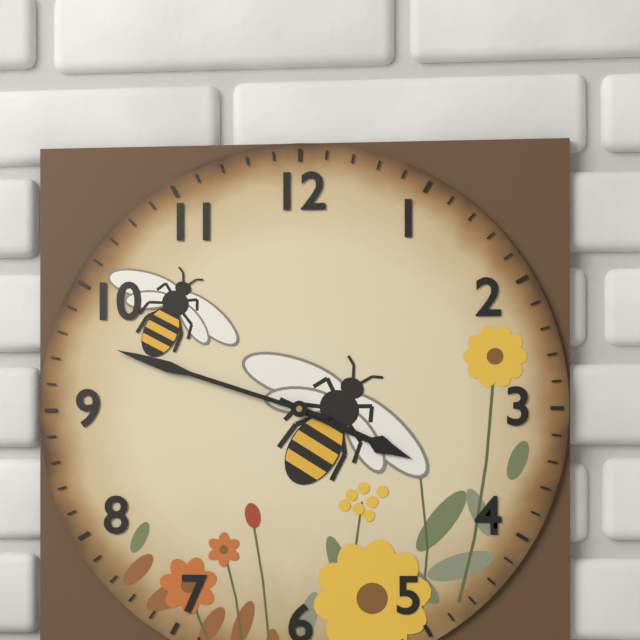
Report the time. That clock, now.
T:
3:48
